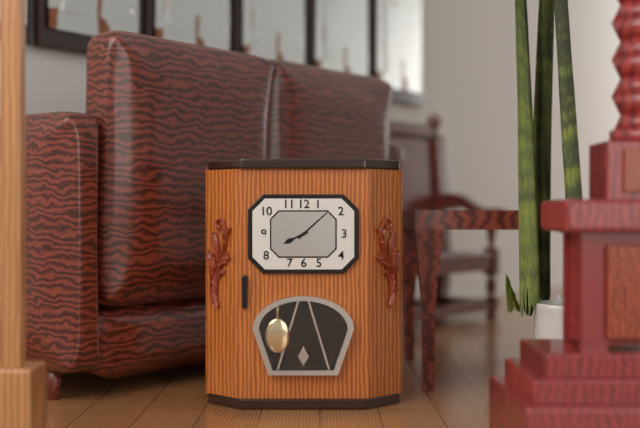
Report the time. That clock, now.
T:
8:08
